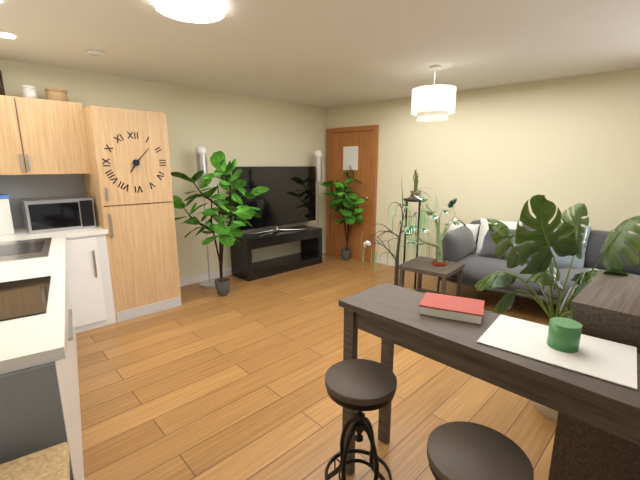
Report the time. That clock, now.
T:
7:07
